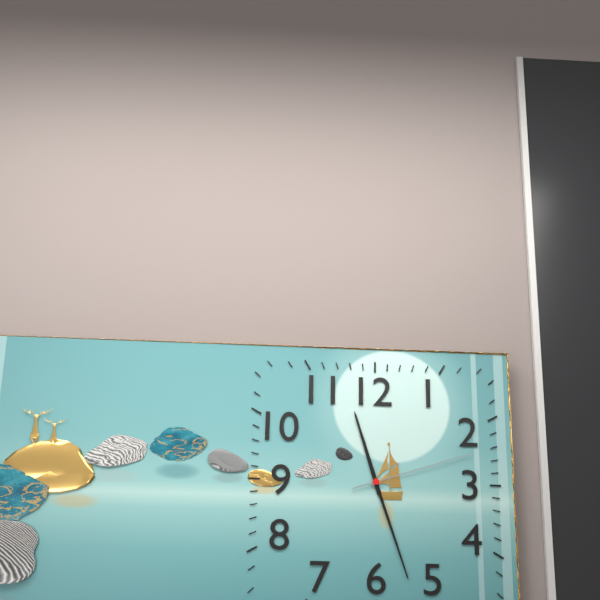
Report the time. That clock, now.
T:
11:27:12
